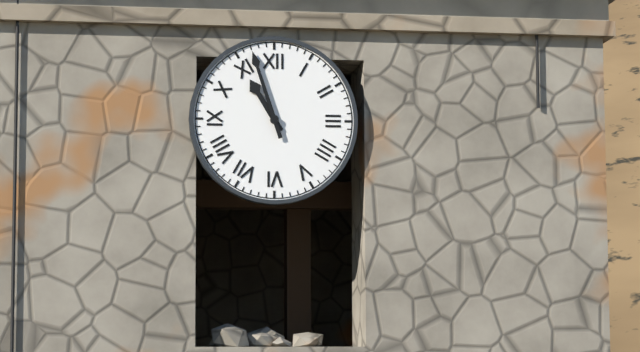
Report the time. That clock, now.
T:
10:57
